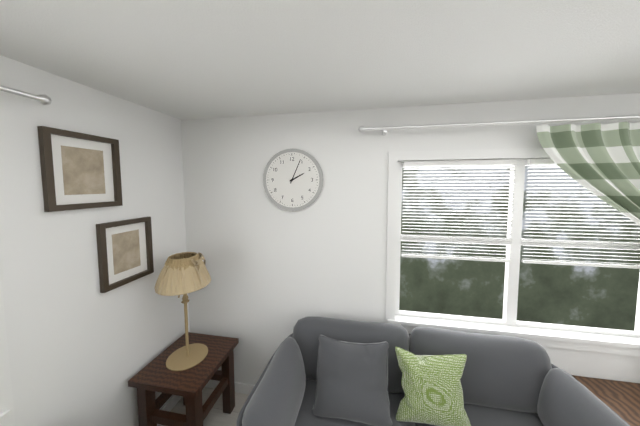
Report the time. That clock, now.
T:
2:04
